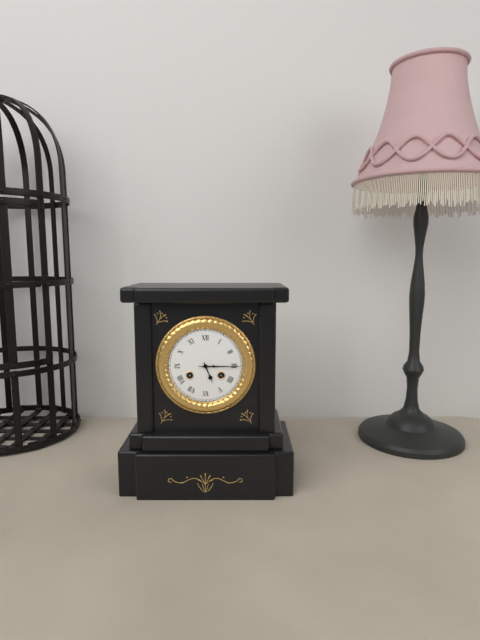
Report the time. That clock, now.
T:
5:15
